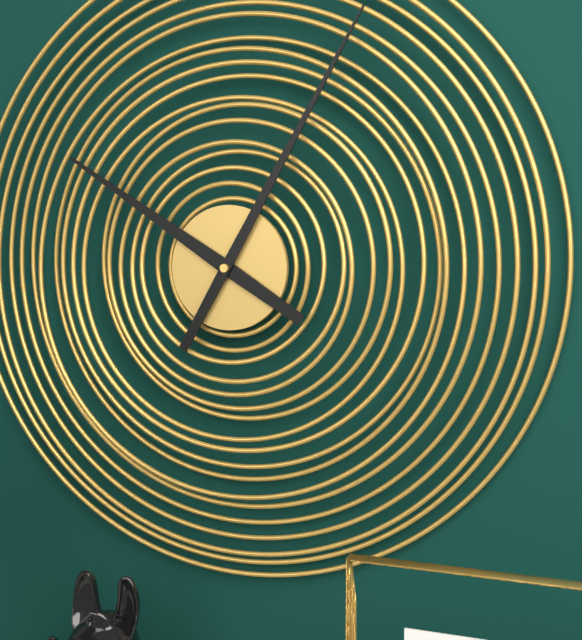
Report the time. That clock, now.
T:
10:05
